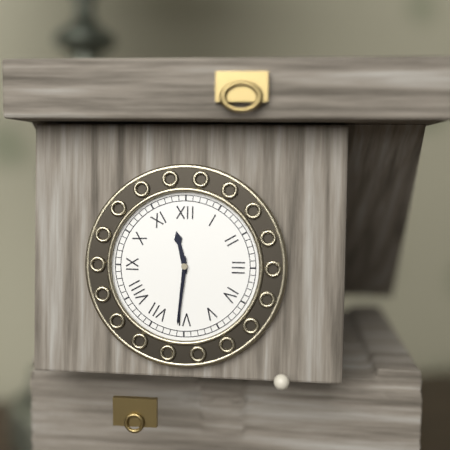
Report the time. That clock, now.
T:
11:31
